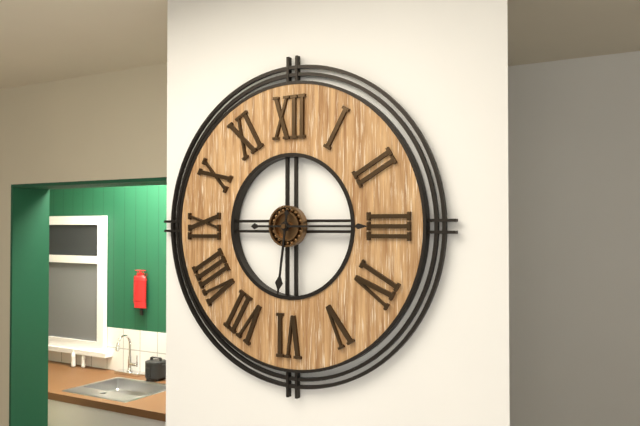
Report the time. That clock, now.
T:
6:15
